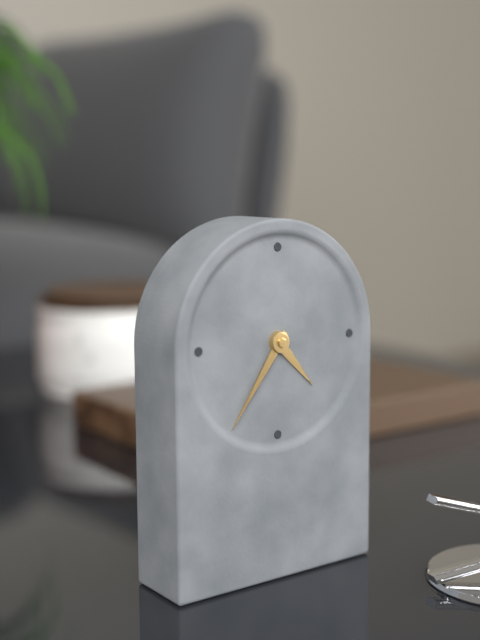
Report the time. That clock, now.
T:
4:36
